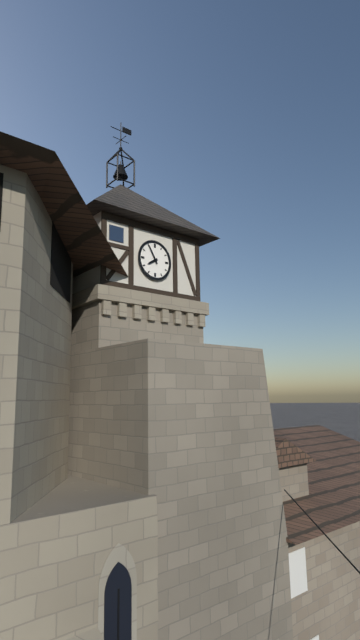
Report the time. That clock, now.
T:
7:55
